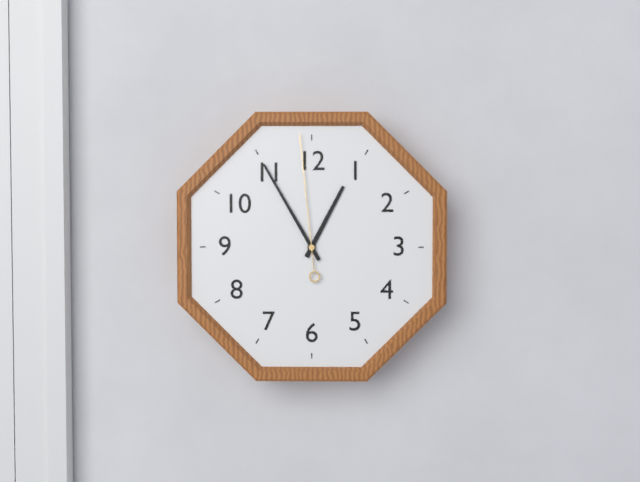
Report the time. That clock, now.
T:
12:55:59
